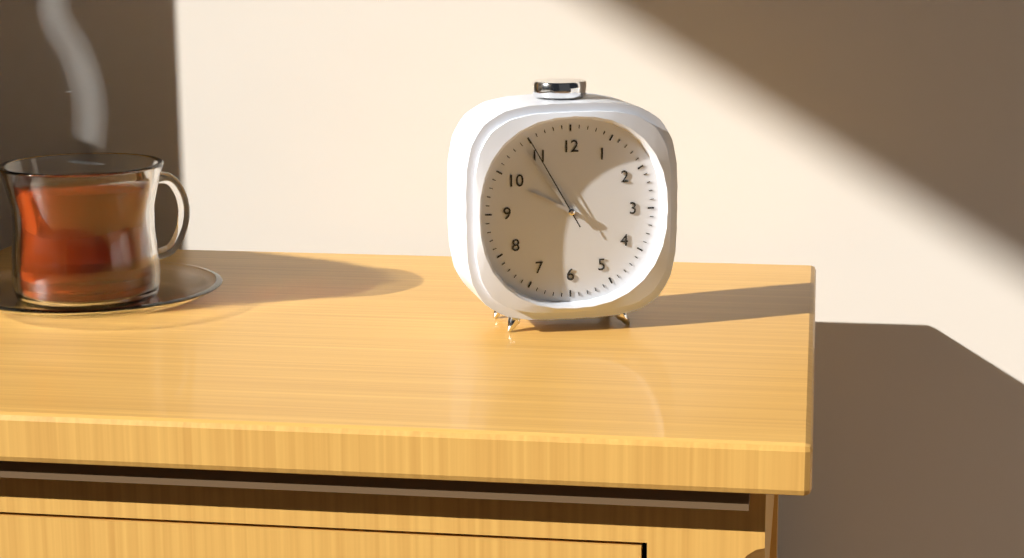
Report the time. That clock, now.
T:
9:54:55
